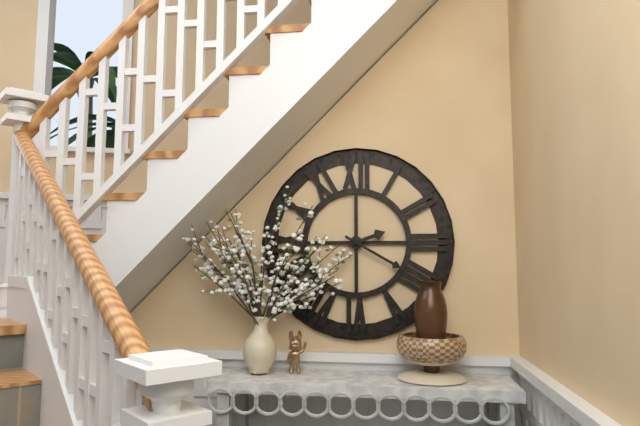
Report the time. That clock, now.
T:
2:20
